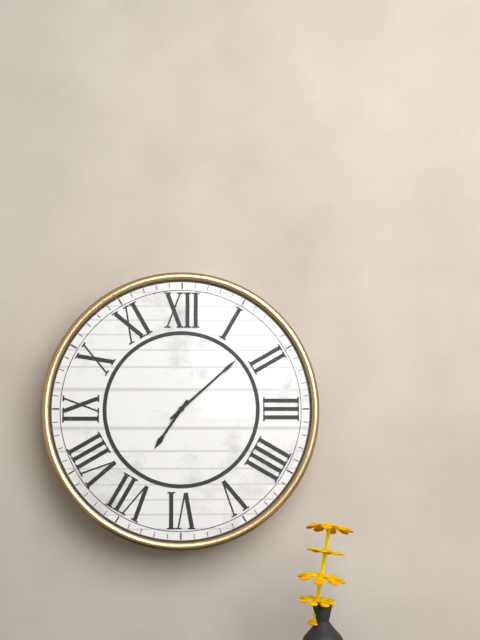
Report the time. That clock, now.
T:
7:08
